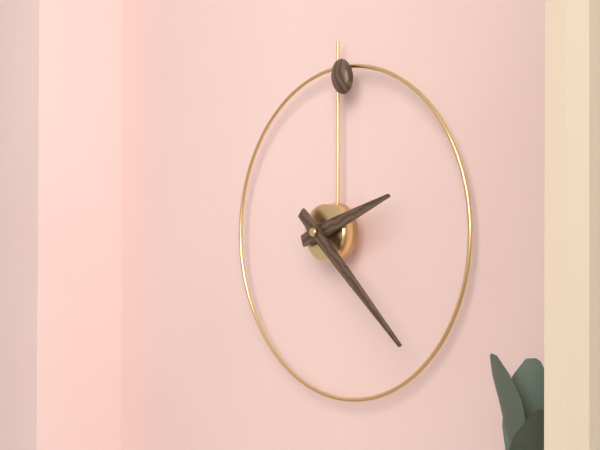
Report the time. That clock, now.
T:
2:22
